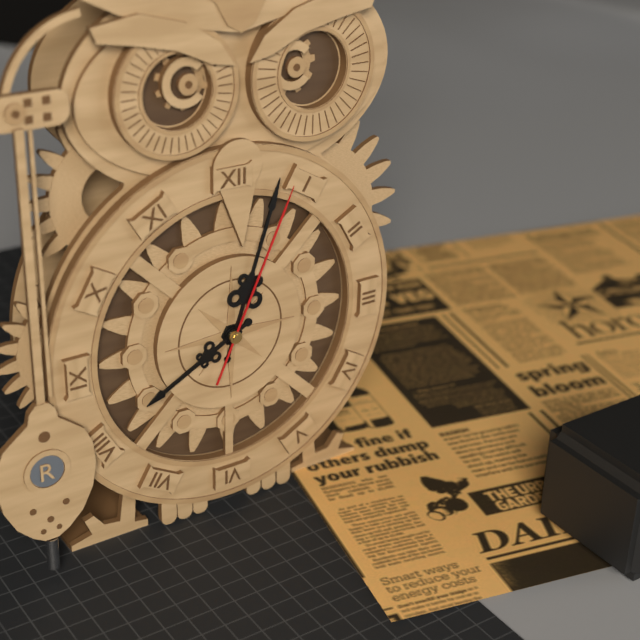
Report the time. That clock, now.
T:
8:03:04
